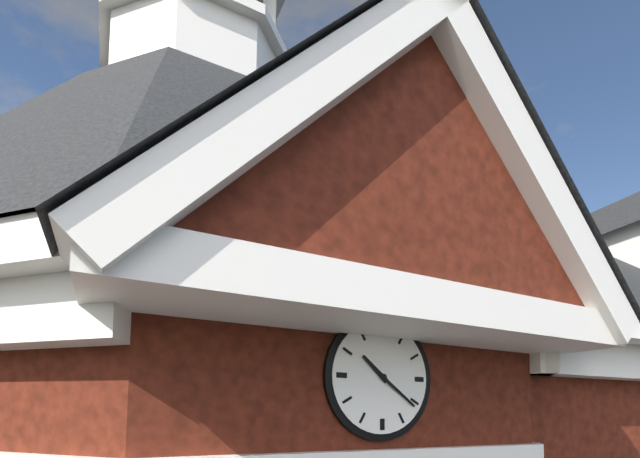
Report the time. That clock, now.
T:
10:21
